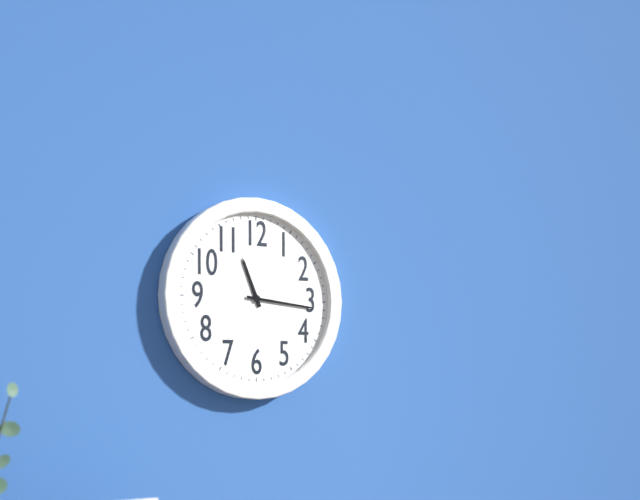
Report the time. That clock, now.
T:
11:16
